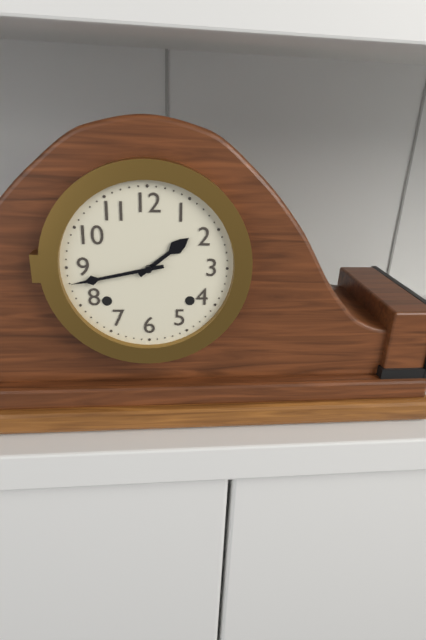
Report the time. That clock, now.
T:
1:43
